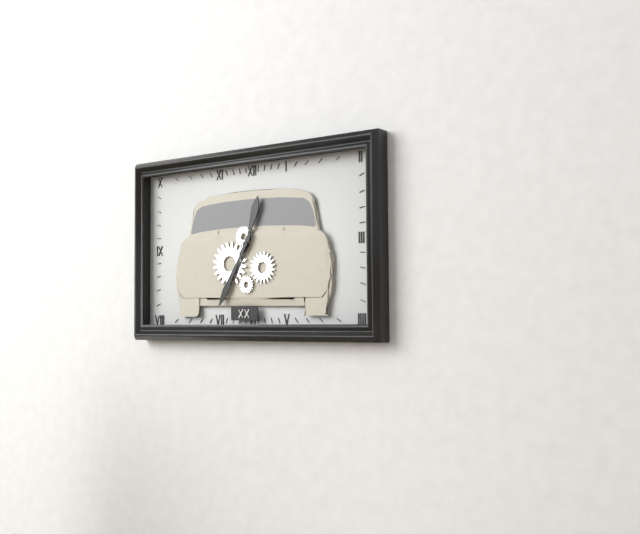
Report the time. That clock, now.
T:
12:35
